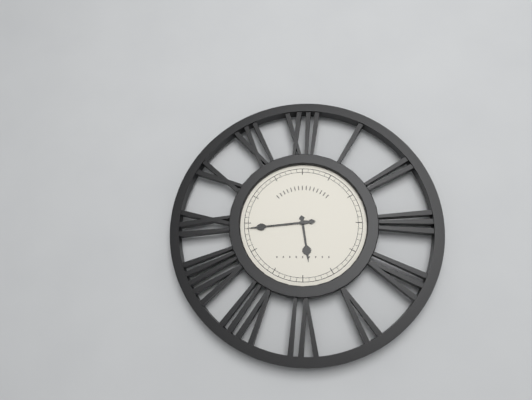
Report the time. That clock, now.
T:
5:44
